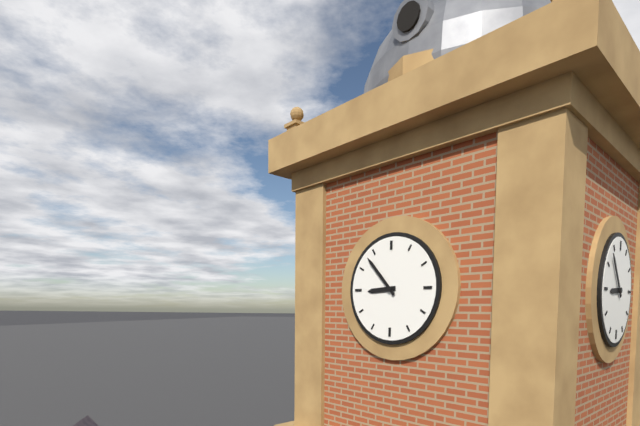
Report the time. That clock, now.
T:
8:53
